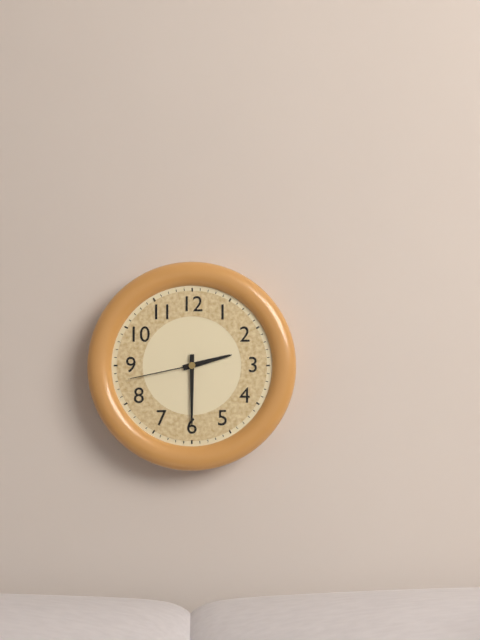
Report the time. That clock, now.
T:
2:30:43
